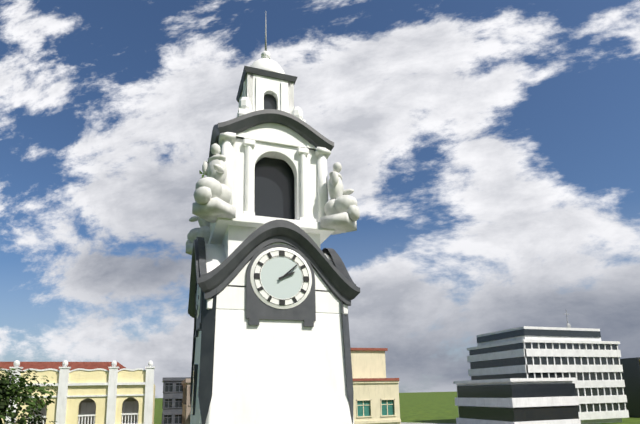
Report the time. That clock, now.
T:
2:08
